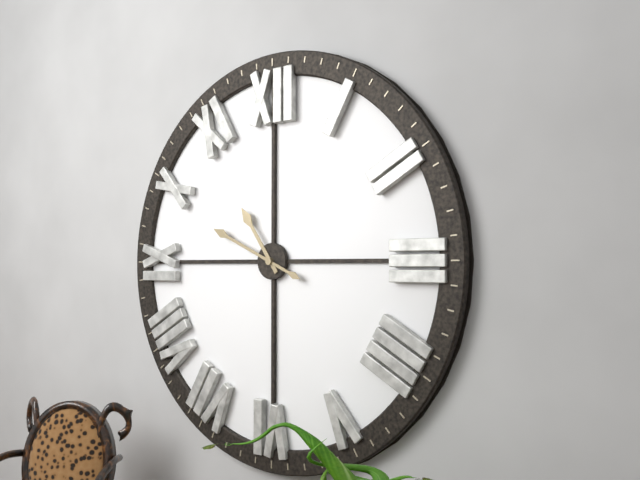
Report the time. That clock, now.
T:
10:49
